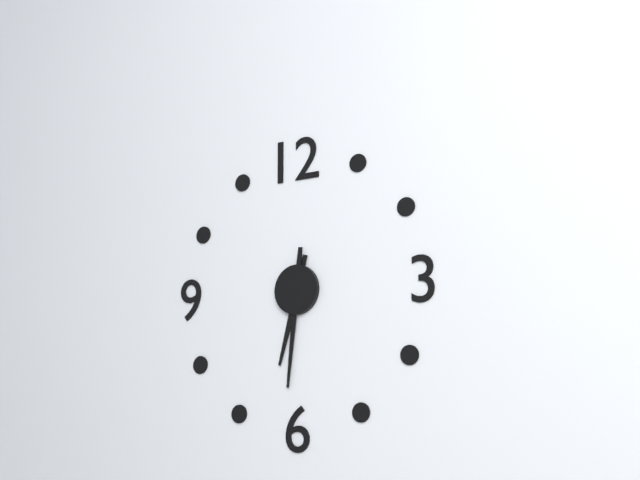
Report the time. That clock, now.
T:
6:31
